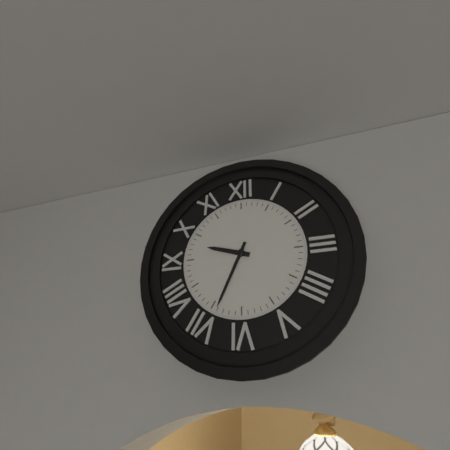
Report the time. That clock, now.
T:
9:34
